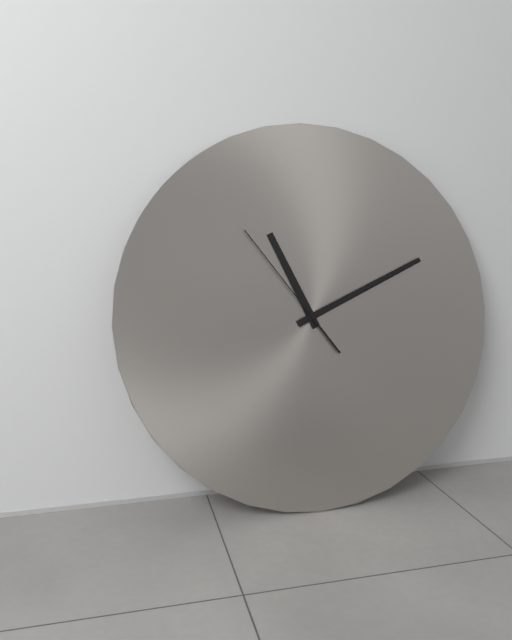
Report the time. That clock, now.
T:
11:11:54
